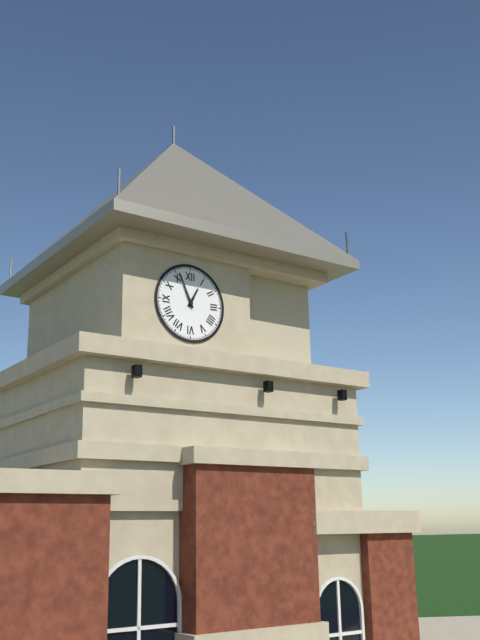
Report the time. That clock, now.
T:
12:56
